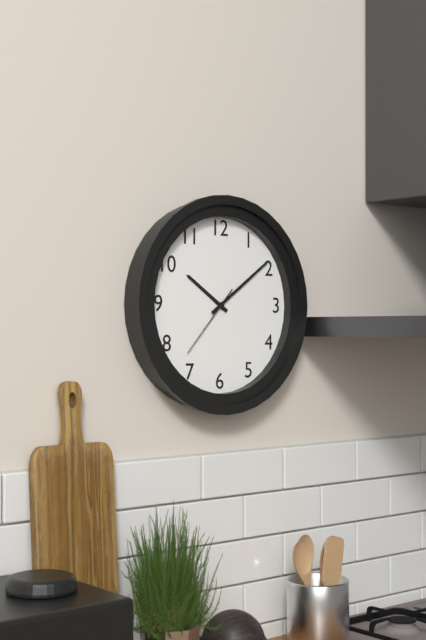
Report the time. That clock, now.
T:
10:09:37
